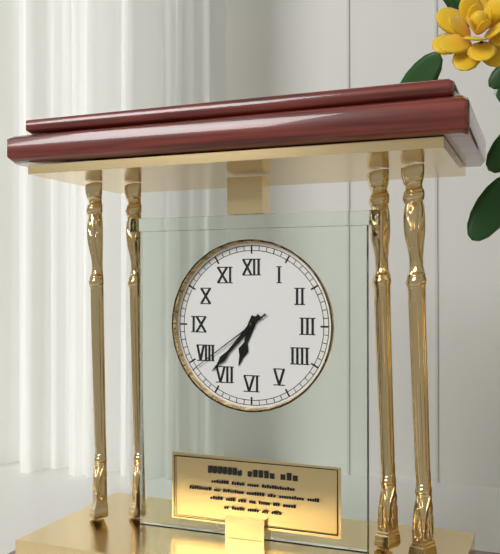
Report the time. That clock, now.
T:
6:37:39
